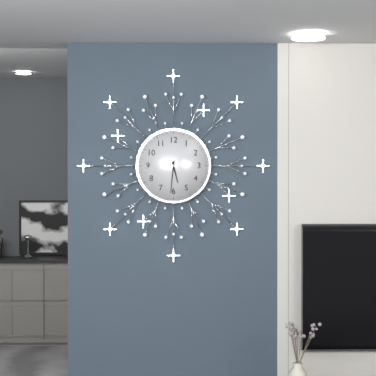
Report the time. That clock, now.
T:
5:31
